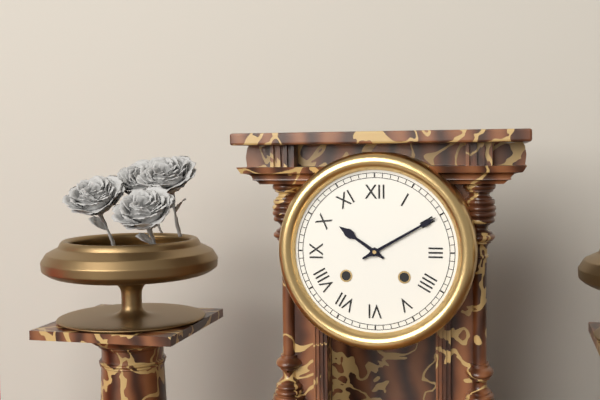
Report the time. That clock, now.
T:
10:10
